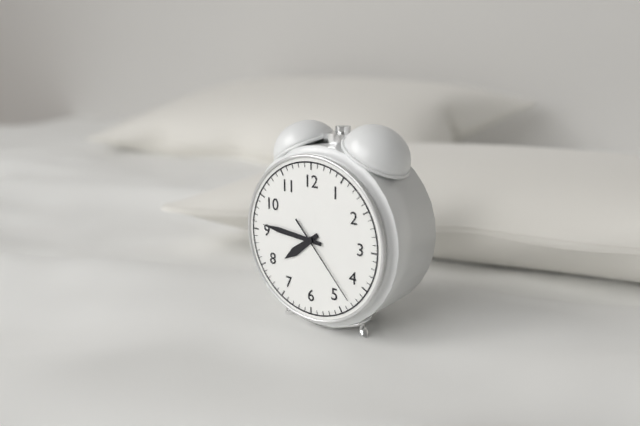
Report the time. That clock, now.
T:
7:46:23
